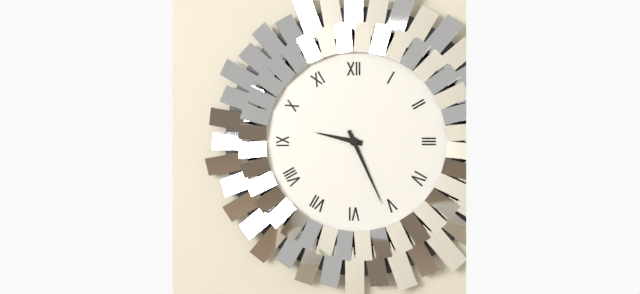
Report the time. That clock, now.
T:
9:26
